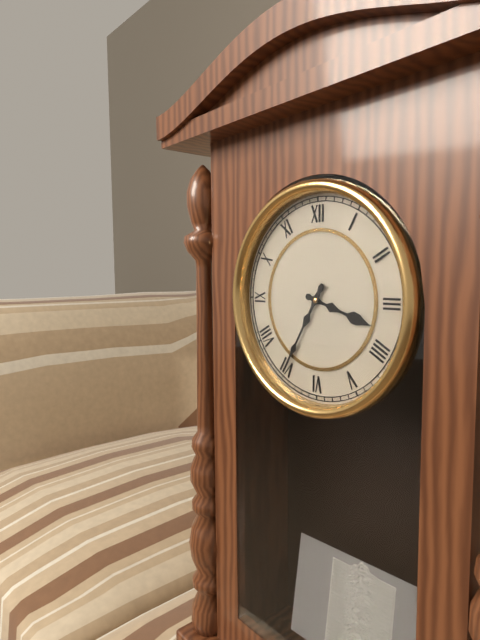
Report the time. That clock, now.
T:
3:35
